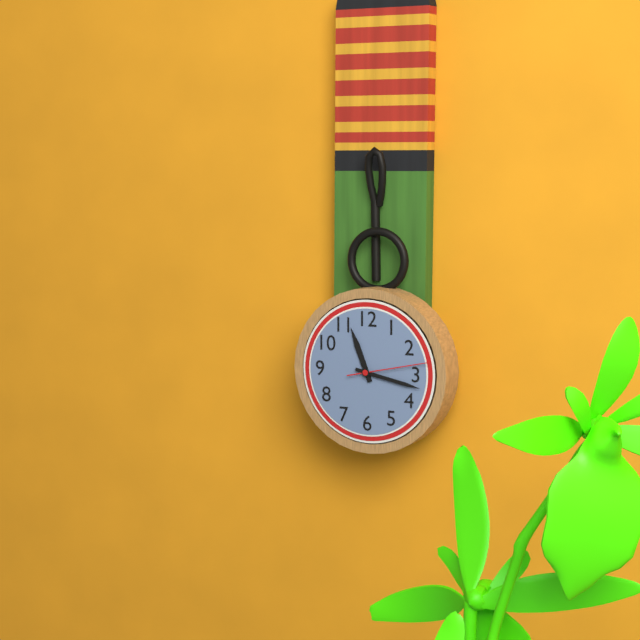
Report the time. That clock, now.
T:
11:17:13
